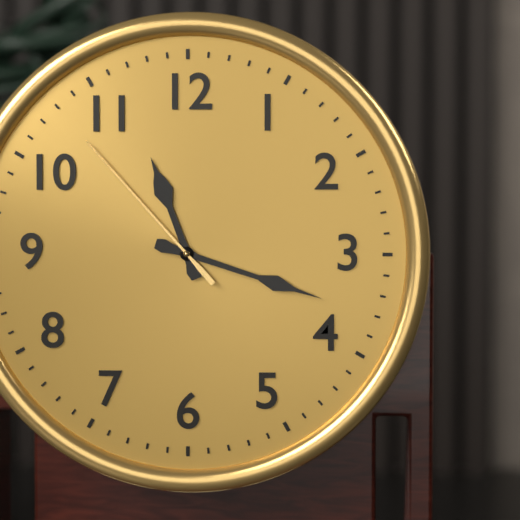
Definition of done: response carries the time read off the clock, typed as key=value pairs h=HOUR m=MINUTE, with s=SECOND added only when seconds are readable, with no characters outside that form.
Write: h=11 m=18 s=53
